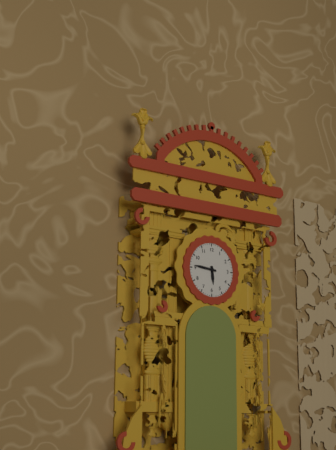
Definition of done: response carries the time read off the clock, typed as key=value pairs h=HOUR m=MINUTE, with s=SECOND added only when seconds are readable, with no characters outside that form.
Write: h=5 m=46
